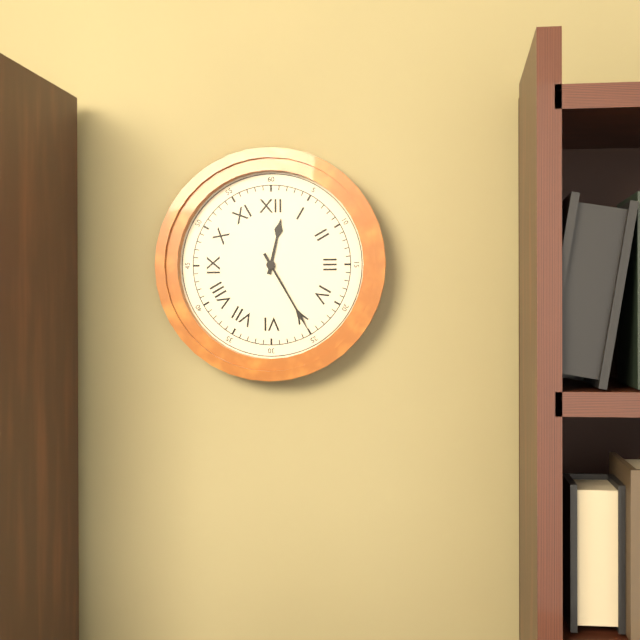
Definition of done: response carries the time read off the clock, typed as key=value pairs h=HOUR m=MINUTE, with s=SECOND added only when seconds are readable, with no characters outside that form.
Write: h=12 m=25
